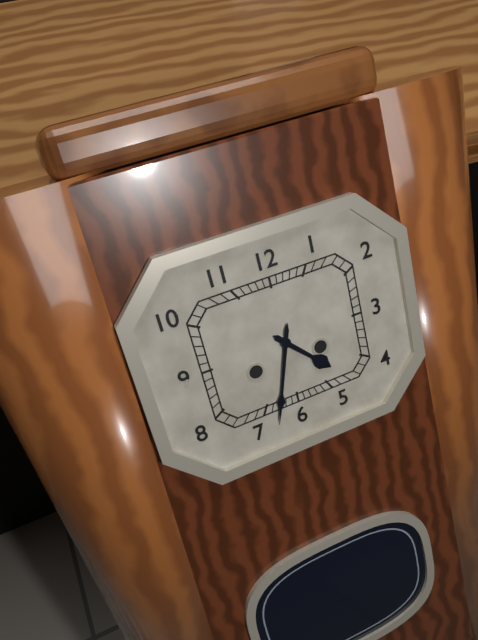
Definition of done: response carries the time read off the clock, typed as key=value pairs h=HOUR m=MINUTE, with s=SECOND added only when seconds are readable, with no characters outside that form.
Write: h=4 m=33
